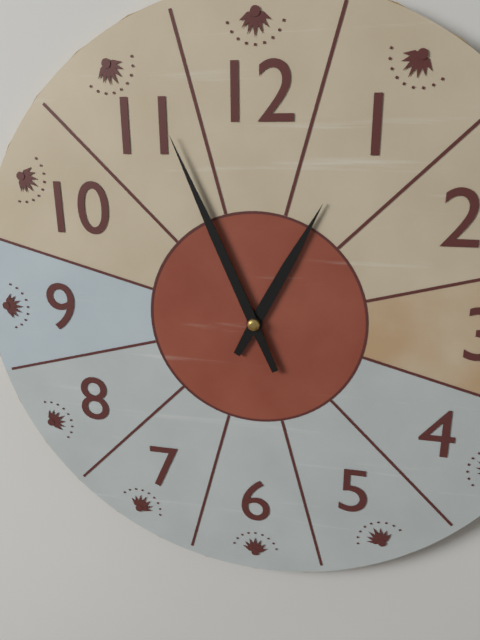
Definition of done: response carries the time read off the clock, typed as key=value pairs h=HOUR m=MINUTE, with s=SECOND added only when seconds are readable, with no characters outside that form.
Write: h=12 m=56
